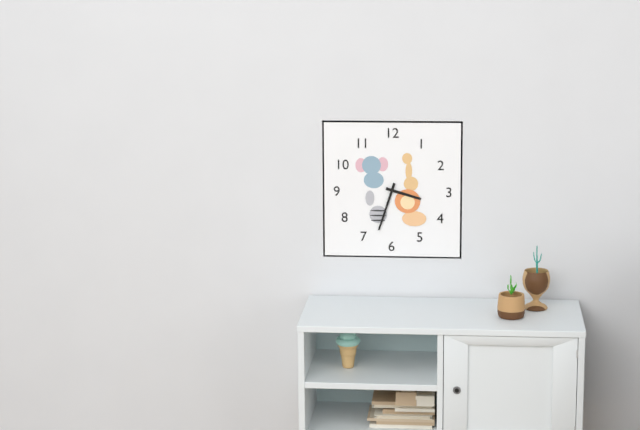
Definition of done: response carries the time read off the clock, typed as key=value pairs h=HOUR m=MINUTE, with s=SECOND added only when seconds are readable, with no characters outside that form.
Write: h=3 m=33
